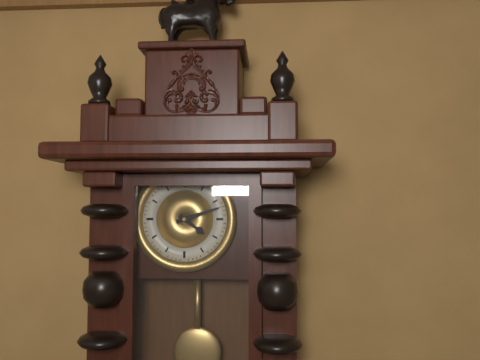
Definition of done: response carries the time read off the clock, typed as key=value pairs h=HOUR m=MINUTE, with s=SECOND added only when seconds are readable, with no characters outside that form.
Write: h=4 m=12
